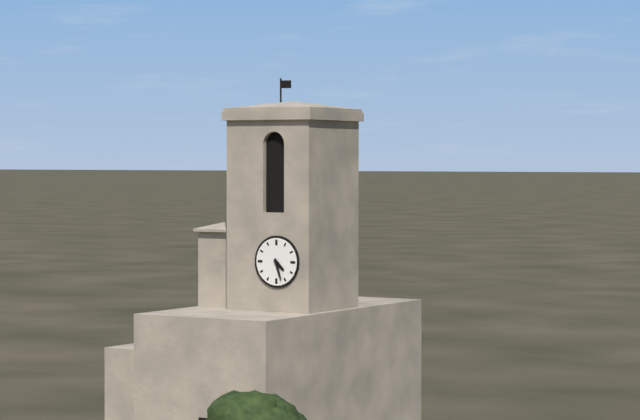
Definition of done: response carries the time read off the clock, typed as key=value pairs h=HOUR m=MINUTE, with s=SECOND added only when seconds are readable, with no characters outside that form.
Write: h=4 m=27
